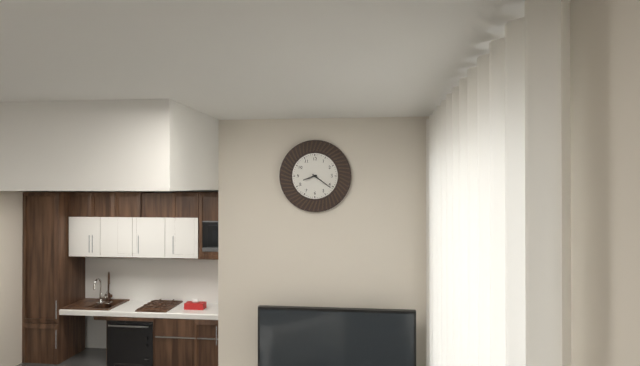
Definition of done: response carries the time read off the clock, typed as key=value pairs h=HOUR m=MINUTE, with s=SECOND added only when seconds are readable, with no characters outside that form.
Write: h=8 m=21
